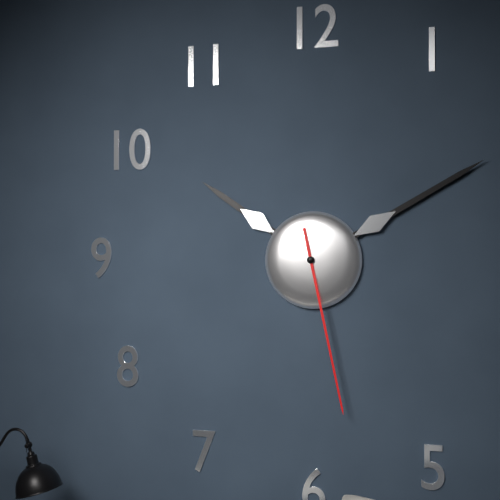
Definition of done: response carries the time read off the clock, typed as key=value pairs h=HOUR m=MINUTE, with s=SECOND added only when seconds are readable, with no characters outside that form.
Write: h=10 m=10 s=28
